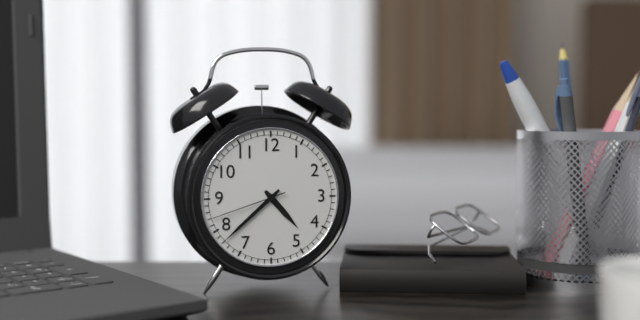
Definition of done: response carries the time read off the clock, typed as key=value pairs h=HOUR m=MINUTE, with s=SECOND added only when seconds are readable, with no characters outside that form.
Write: h=4 m=38 s=42
